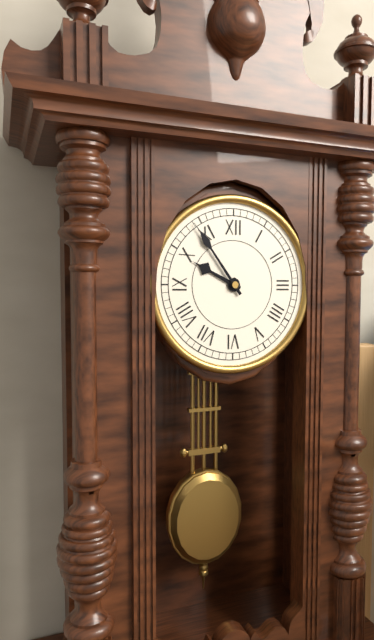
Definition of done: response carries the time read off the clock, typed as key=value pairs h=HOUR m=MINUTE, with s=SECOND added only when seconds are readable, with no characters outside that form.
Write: h=9 m=54
